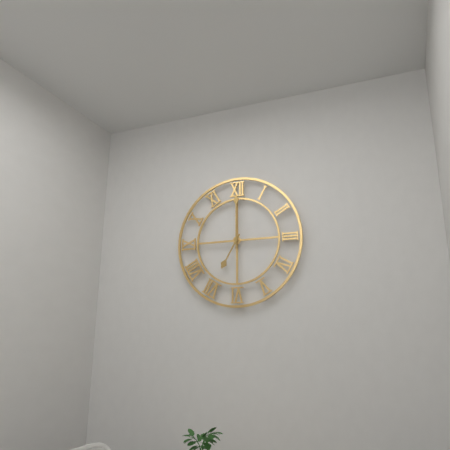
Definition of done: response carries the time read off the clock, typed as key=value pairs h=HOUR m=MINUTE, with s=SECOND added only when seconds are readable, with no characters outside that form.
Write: h=7 m=0
